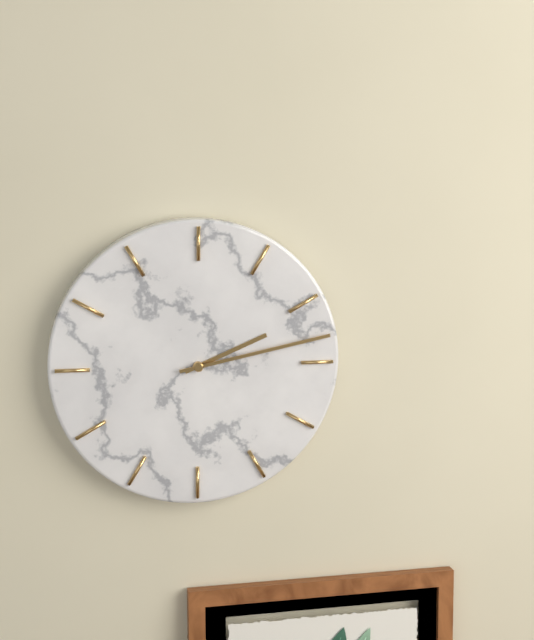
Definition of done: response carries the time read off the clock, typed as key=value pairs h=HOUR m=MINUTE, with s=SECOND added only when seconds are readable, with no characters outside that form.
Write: h=2 m=13
